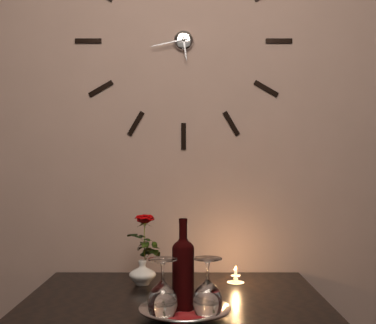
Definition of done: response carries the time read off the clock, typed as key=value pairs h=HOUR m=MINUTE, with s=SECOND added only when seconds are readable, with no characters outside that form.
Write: h=5 m=43
